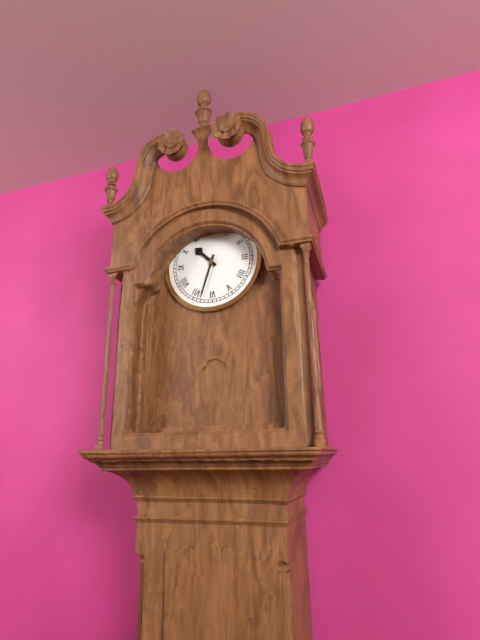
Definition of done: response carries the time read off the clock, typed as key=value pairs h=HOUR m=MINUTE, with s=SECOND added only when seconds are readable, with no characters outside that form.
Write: h=10 m=33
